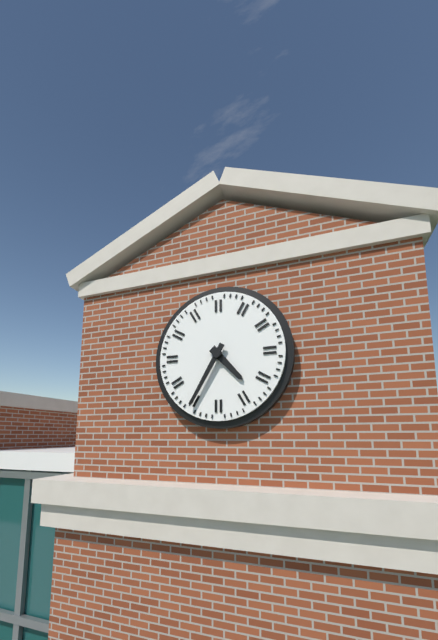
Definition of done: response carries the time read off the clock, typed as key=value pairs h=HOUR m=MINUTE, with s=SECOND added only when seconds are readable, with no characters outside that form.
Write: h=4 m=35
